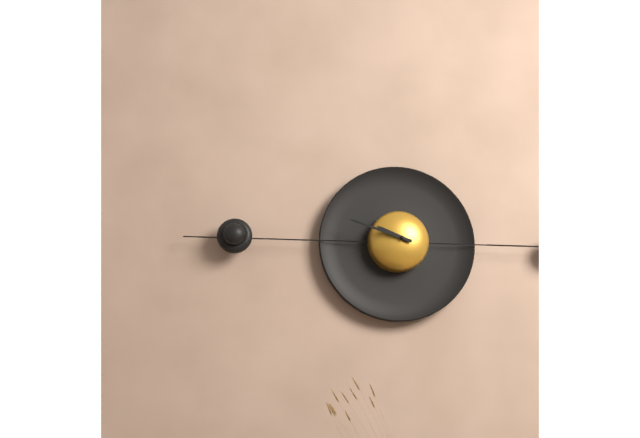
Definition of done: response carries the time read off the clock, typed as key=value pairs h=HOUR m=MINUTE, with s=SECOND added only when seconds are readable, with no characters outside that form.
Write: h=9 m=48
